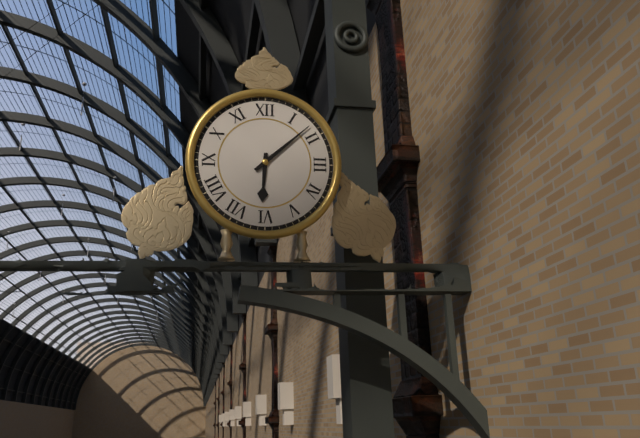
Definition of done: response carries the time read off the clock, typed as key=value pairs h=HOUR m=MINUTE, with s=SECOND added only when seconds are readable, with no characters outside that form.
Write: h=6 m=8
